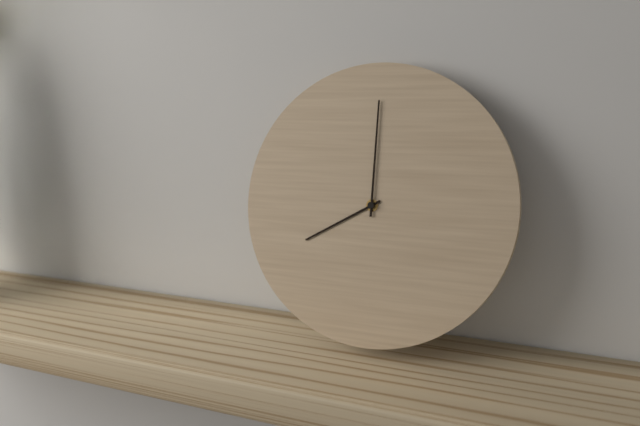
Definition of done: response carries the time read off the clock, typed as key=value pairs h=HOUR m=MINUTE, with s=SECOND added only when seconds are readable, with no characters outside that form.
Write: h=8 m=0
